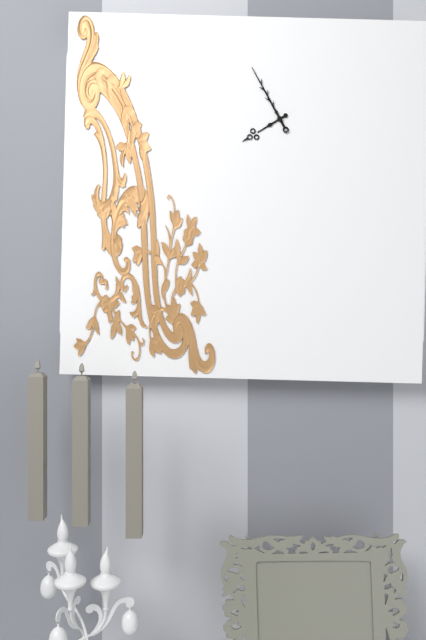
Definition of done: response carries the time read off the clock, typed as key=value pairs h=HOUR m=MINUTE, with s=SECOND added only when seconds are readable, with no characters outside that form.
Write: h=7 m=55
